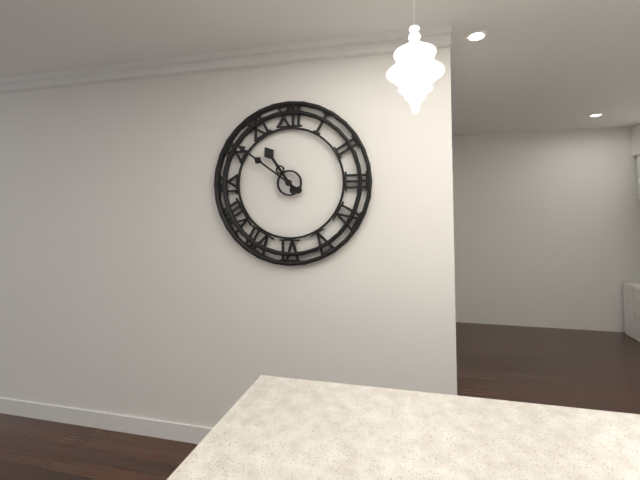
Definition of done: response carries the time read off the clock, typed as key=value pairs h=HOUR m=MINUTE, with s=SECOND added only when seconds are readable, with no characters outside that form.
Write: h=10 m=51
